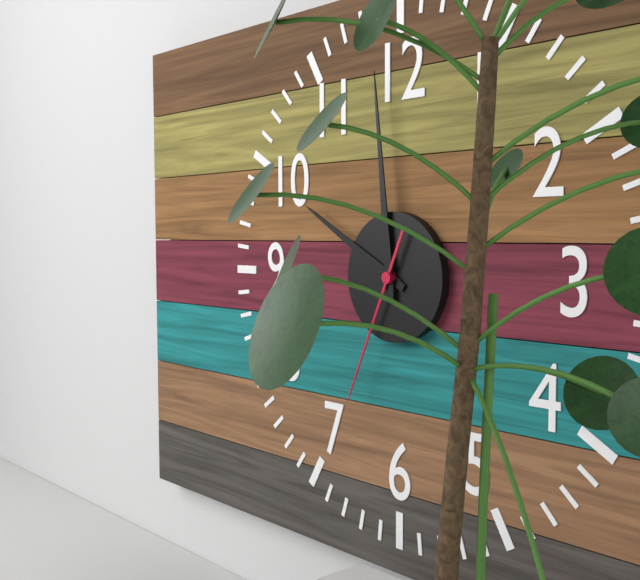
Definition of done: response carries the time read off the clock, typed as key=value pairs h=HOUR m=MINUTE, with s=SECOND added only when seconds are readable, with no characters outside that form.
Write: h=9 m=59 s=34
